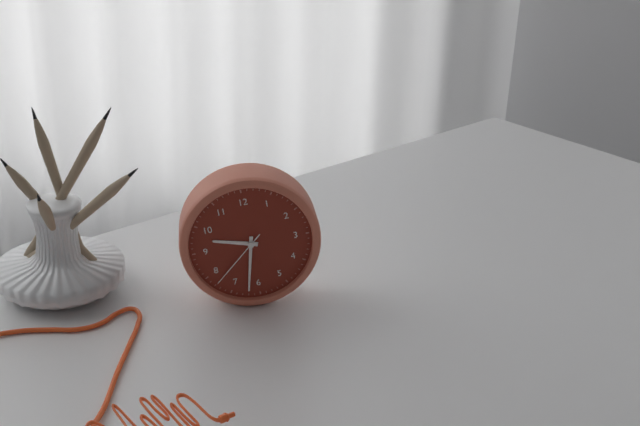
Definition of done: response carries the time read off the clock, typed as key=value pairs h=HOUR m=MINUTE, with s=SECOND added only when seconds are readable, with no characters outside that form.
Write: h=9 m=32 s=38
